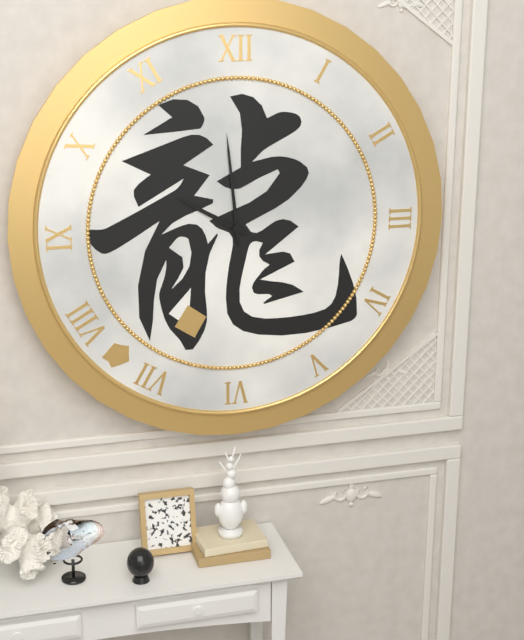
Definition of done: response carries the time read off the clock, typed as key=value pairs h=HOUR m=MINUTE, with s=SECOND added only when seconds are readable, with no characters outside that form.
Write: h=9 m=59
